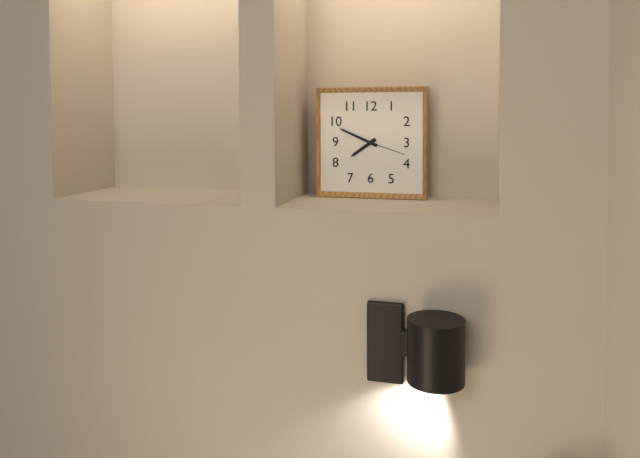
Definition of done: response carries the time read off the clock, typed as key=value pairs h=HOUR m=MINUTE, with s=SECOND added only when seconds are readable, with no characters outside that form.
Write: h=7 m=49
